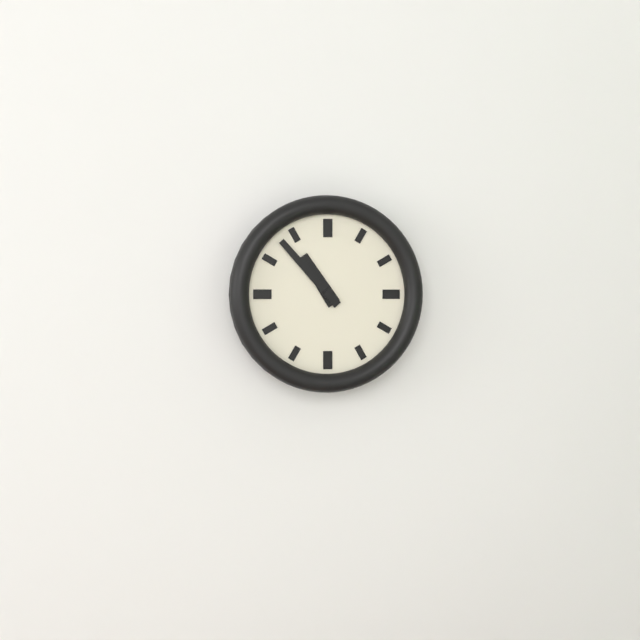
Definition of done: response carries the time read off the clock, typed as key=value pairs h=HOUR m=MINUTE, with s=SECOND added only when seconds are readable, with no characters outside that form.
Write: h=10 m=53
